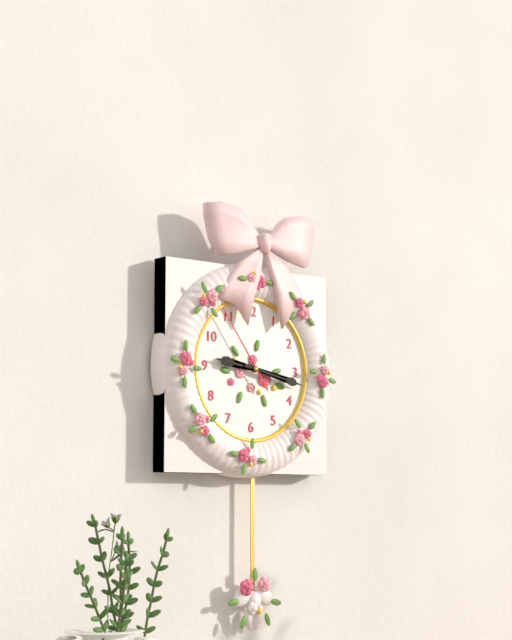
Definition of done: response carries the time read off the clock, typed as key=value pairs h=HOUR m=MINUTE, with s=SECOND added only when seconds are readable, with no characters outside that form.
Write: h=9 m=17 s=54
